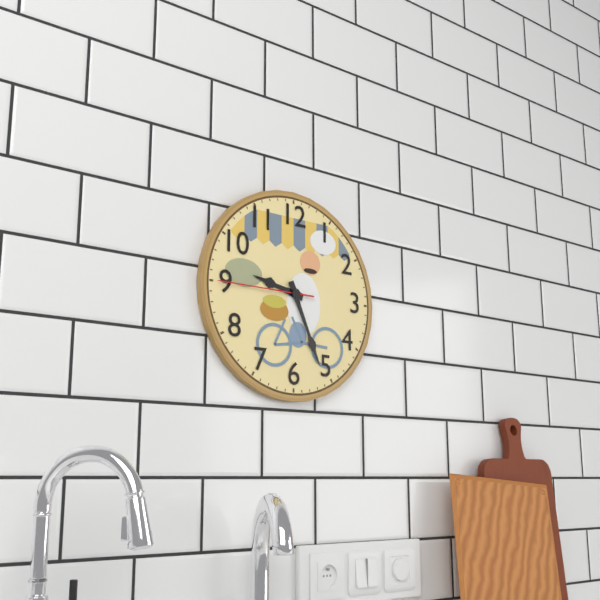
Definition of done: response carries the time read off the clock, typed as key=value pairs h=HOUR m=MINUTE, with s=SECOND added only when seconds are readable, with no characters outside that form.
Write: h=9 m=26 s=45
